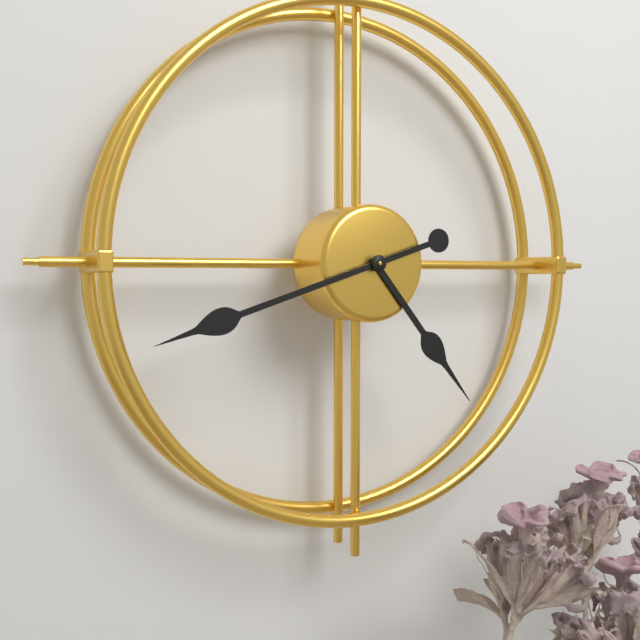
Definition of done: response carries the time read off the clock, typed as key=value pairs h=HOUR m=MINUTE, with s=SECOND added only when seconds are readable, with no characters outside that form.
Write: h=4 m=42
